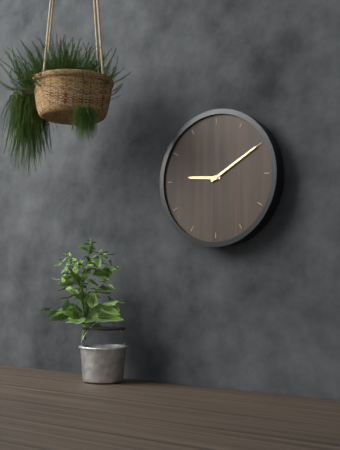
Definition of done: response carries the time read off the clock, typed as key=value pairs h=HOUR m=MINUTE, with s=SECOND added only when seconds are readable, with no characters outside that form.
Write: h=9 m=10
